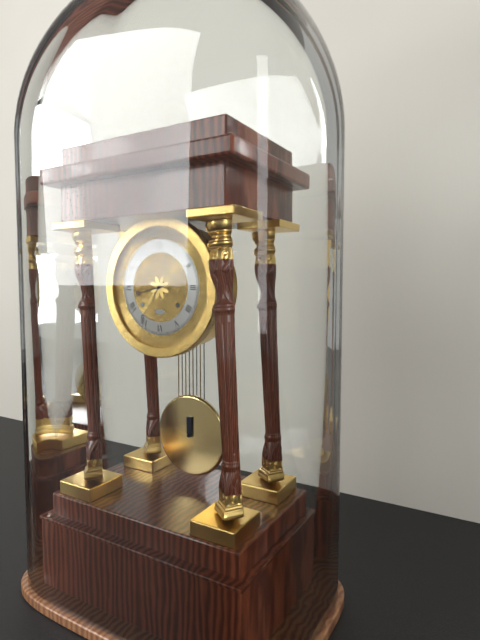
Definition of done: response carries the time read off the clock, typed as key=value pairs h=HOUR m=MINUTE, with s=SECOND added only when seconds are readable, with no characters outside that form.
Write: h=8 m=36
